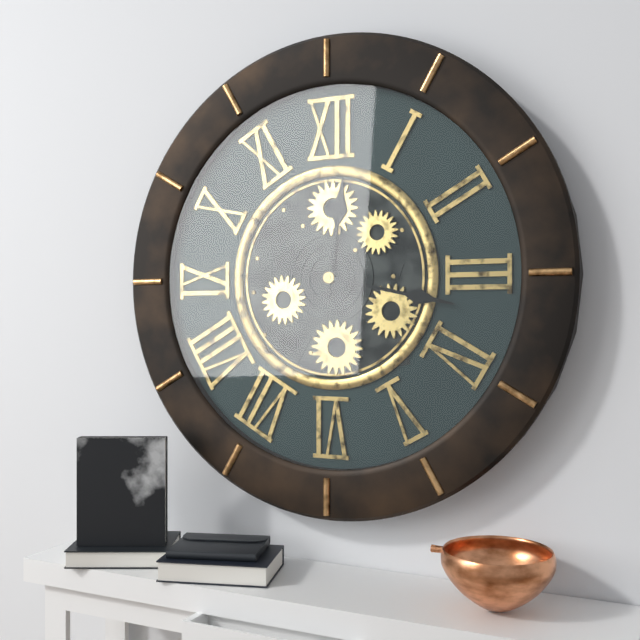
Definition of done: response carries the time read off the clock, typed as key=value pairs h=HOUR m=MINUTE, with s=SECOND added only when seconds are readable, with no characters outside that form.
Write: h=12 m=17
